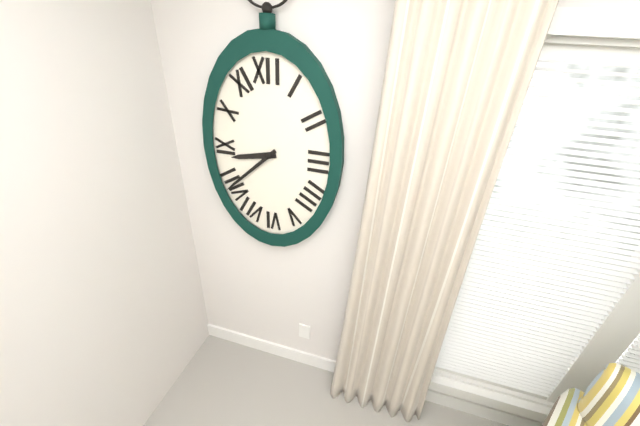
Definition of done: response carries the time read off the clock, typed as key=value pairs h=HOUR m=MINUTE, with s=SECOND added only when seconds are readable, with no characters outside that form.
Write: h=8 m=38
